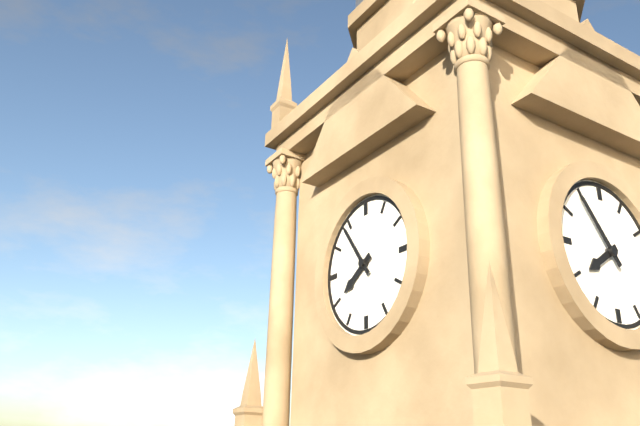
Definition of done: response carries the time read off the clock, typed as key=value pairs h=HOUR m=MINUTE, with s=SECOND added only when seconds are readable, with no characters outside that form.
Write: h=7 m=54
